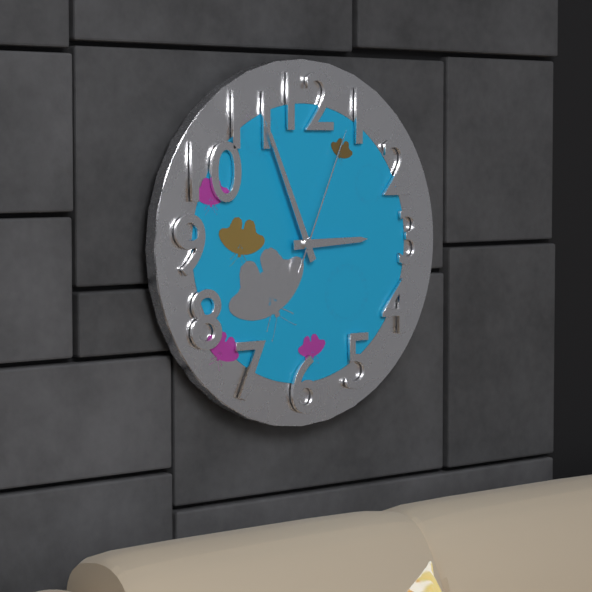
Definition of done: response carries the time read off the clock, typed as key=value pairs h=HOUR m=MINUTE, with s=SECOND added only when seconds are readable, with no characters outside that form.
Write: h=2 m=56 s=4
